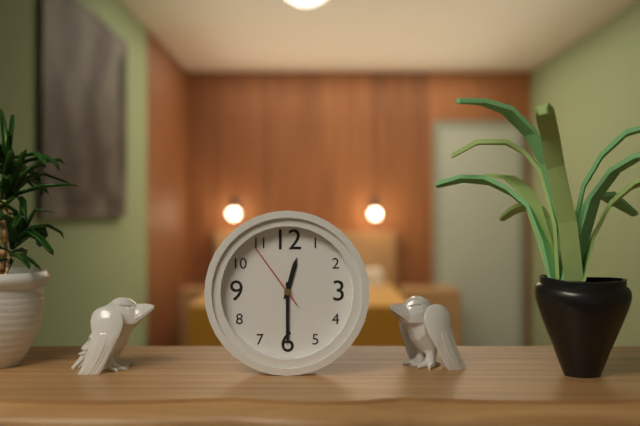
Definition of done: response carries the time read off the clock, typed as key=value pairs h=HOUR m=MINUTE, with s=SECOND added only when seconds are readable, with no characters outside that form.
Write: h=12 m=30 s=54
